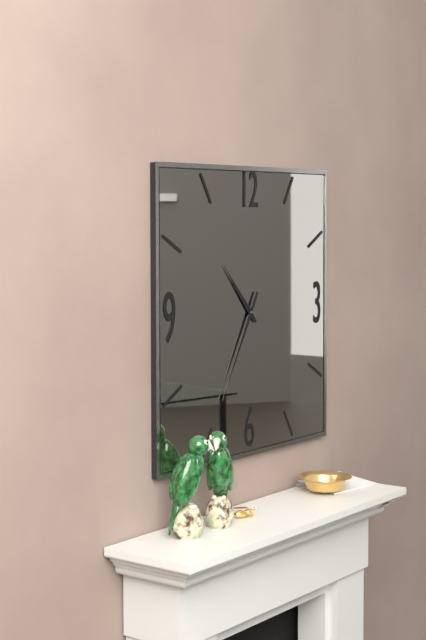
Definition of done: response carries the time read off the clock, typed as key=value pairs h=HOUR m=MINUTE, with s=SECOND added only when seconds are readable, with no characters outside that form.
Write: h=10 m=35
